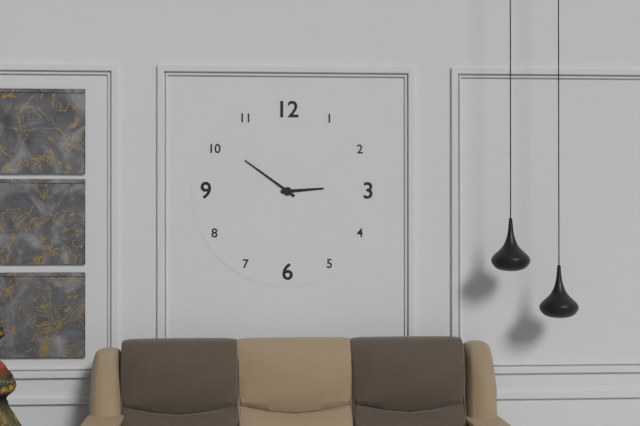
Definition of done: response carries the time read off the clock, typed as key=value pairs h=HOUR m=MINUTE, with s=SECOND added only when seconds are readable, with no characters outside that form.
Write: h=2 m=51
